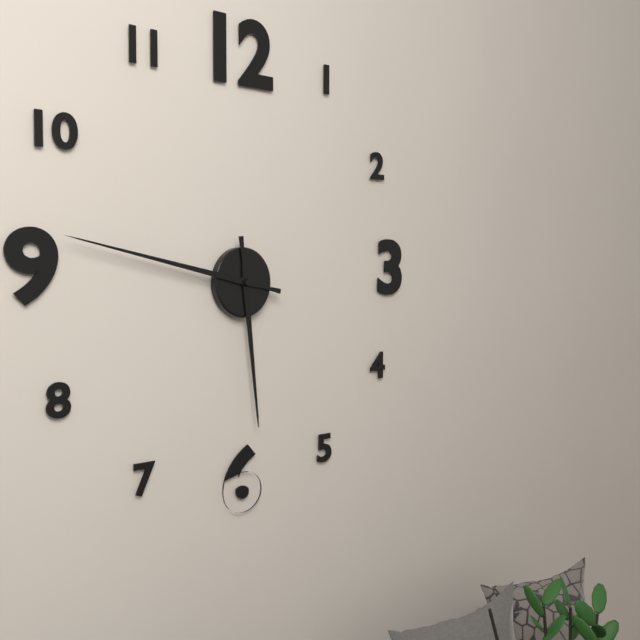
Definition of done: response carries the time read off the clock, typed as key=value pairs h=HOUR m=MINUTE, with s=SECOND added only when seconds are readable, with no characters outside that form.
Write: h=5 m=47
